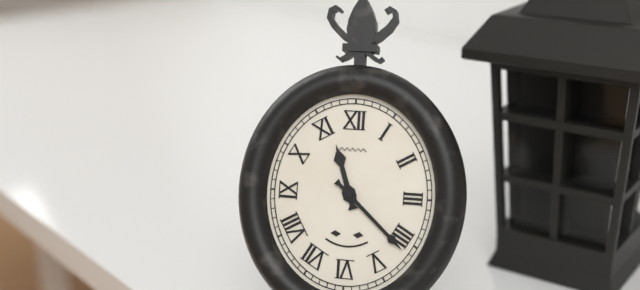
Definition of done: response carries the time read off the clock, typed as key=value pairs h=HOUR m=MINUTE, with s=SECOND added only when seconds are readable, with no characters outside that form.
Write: h=11 m=22
